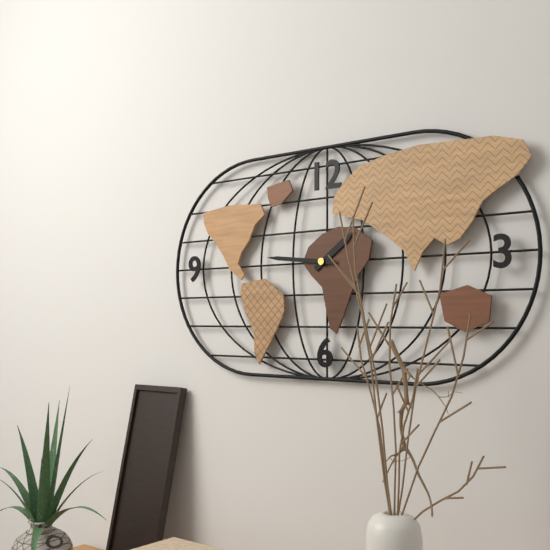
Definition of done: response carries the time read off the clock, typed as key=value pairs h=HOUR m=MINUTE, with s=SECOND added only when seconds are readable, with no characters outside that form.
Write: h=1 m=46
